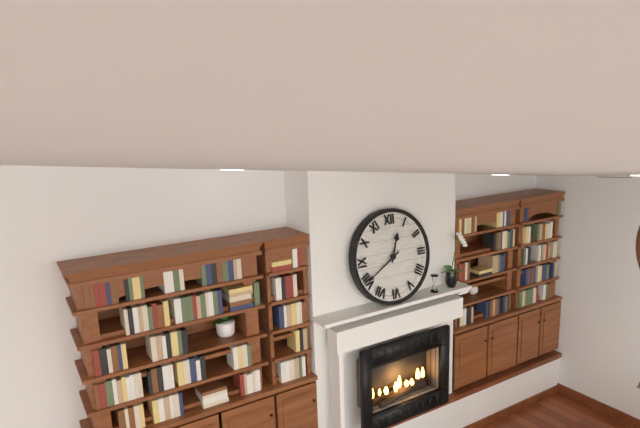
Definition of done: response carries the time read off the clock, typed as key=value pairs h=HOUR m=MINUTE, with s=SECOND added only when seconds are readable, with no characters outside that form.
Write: h=12 m=40
